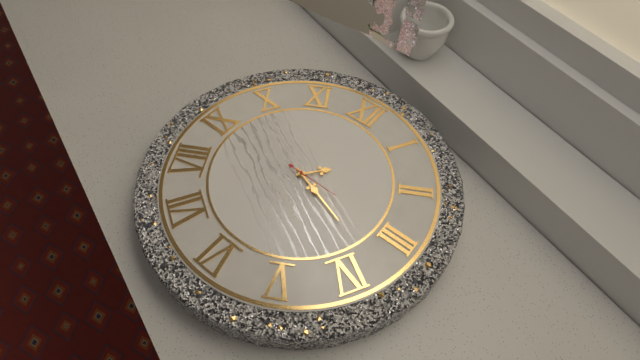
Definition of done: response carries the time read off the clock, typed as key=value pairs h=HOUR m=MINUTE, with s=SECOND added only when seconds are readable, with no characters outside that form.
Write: h=1 m=18
